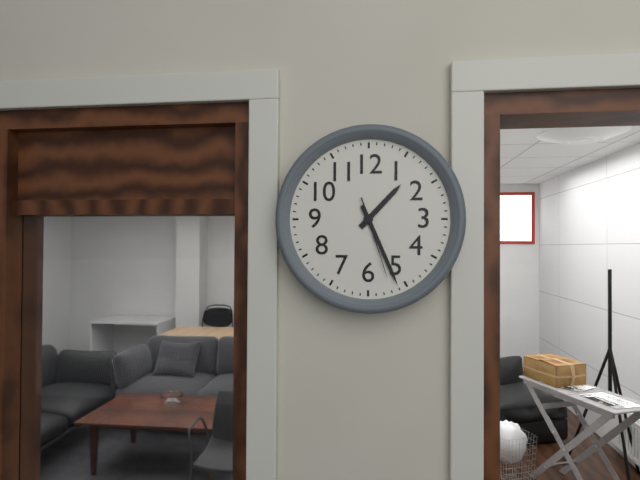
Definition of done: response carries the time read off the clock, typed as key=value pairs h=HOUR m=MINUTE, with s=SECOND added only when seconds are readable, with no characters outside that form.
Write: h=1 m=26 s=27
